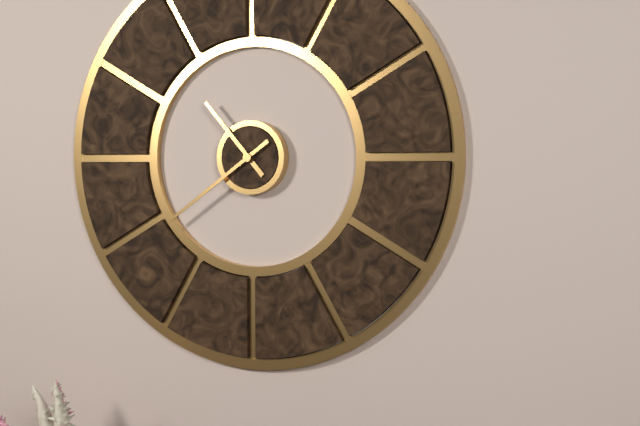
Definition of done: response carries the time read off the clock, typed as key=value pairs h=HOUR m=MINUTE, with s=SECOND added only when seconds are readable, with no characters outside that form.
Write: h=10 m=39
